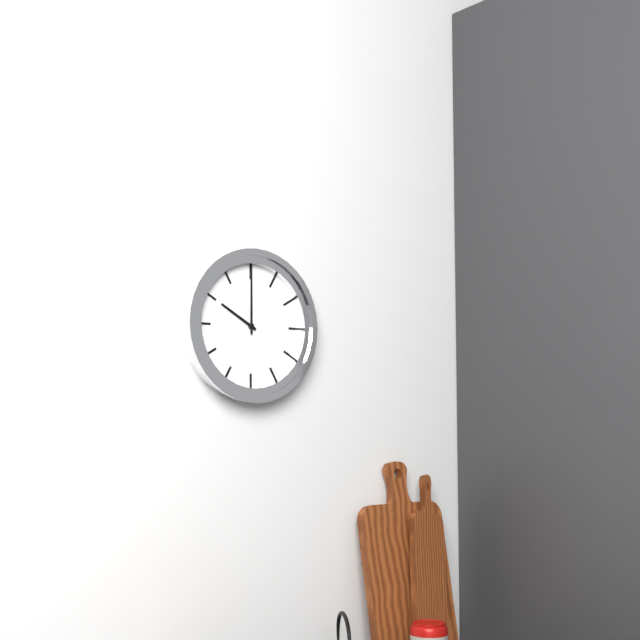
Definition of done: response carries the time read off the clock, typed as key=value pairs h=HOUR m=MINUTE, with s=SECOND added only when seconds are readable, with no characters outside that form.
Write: h=10 m=0
